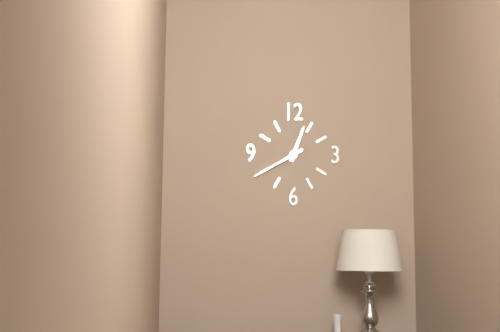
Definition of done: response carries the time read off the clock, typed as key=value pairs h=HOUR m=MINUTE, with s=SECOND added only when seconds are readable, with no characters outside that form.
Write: h=12 m=40
